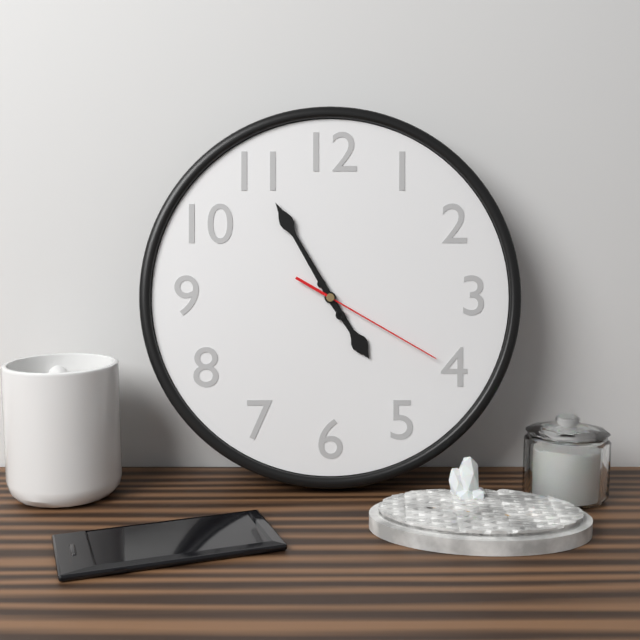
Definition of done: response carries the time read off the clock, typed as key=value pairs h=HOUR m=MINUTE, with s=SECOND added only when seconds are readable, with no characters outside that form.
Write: h=4 m=55 s=20
